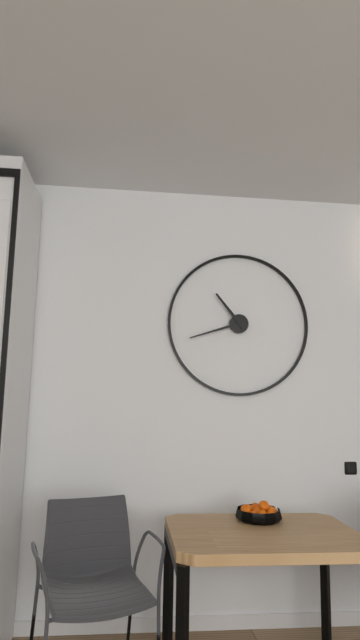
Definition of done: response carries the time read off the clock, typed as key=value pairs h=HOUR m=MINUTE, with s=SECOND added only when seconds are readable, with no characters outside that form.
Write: h=10 m=42
